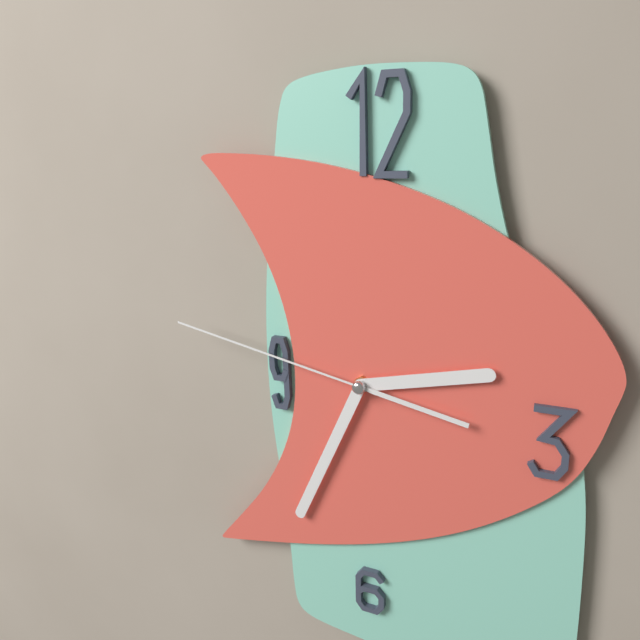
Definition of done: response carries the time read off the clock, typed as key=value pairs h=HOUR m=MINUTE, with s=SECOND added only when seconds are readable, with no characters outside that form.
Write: h=2 m=34 s=47
